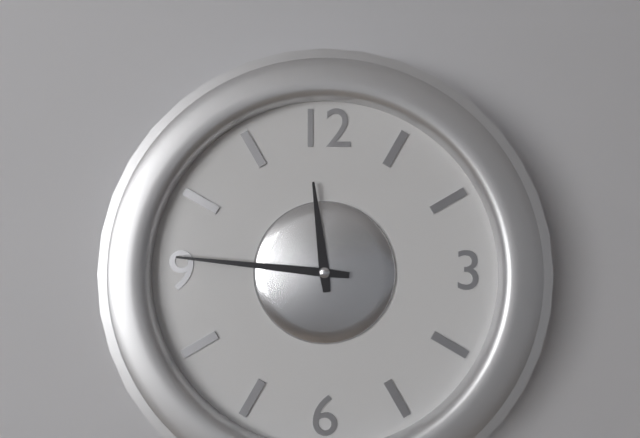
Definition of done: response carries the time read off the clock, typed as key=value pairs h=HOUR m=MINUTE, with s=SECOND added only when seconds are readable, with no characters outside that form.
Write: h=11 m=46
